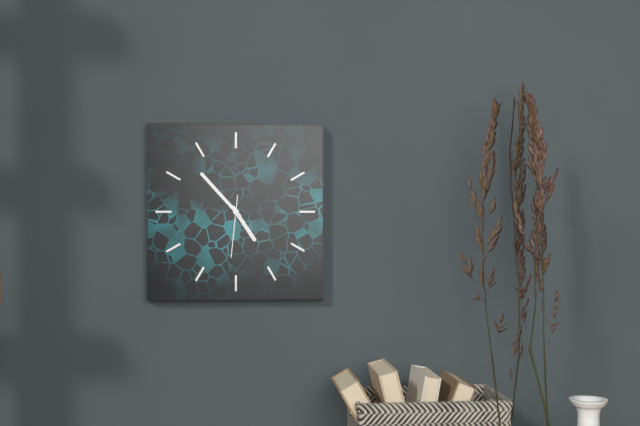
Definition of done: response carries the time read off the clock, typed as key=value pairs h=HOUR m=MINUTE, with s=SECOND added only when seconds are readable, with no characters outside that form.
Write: h=4 m=53 s=31
